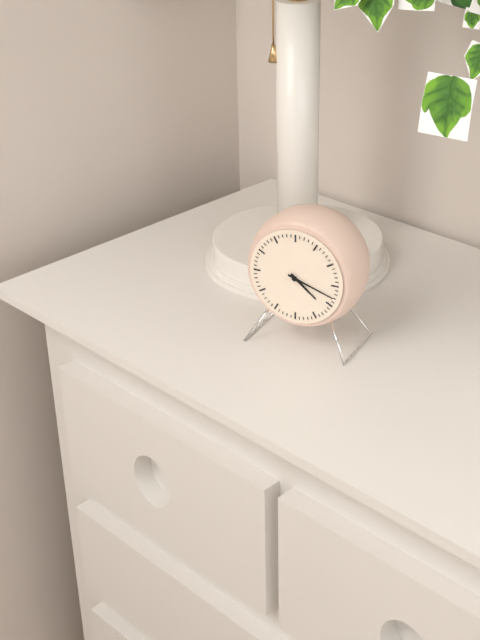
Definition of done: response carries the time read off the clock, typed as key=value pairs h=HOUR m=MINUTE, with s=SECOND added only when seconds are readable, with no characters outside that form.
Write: h=4 m=18
